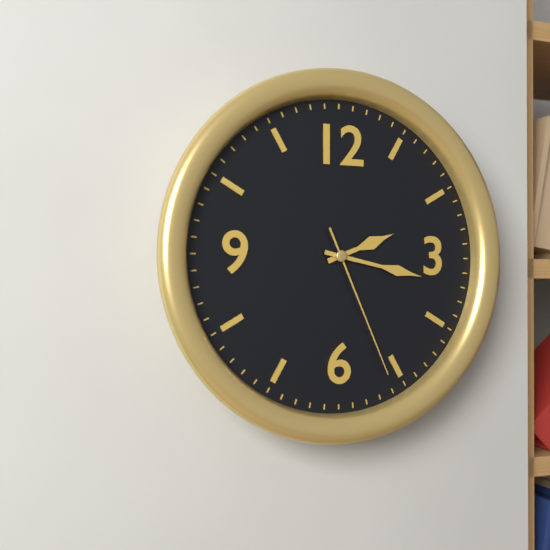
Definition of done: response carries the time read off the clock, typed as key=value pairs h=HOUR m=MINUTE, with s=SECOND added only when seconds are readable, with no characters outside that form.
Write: h=2 m=17 s=26
